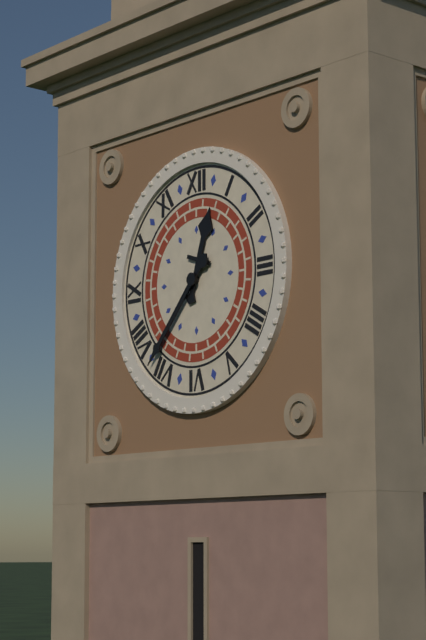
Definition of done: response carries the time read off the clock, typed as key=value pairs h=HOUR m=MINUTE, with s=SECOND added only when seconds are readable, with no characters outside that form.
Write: h=12 m=37
